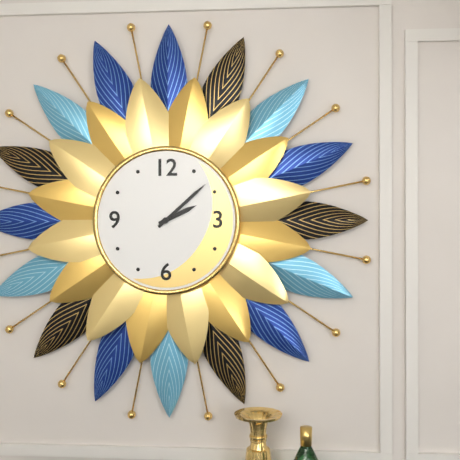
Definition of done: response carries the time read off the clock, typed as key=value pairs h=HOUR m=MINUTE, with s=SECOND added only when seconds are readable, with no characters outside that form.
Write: h=2 m=8
